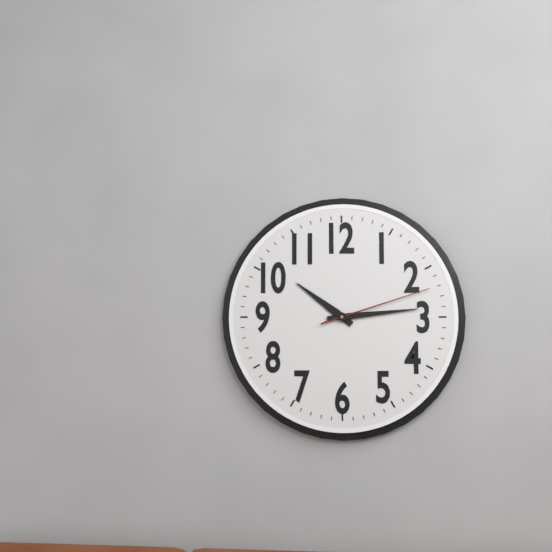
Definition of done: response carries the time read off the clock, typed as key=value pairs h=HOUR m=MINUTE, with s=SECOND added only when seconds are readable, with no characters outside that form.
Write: h=10 m=14 s=12
